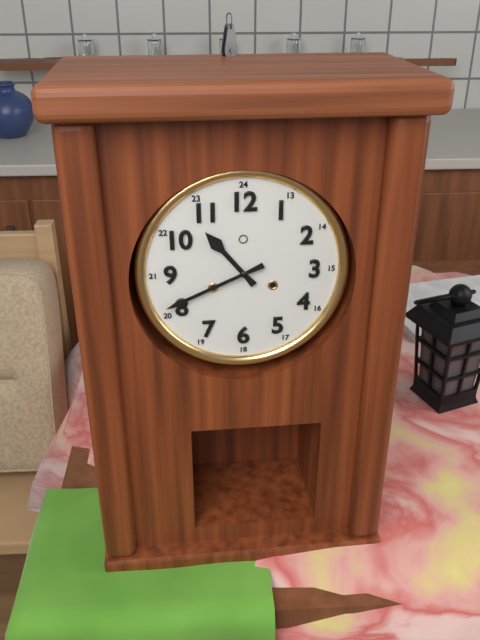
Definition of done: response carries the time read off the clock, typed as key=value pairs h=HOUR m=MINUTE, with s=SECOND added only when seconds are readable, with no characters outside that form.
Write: h=10 m=41
